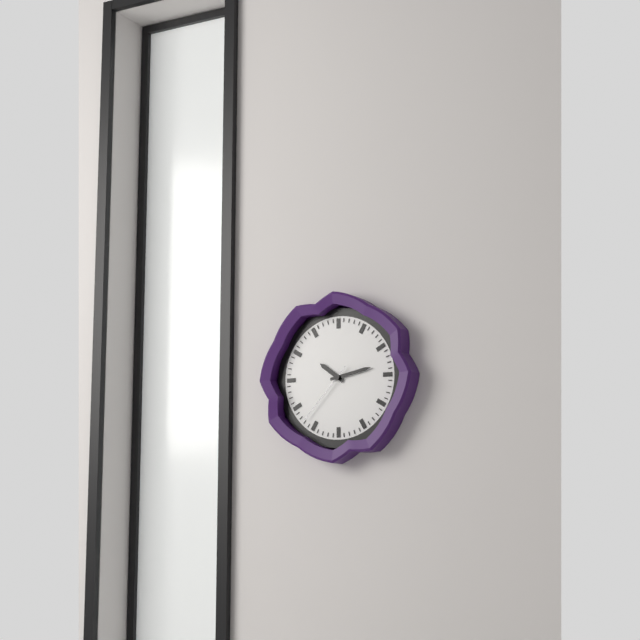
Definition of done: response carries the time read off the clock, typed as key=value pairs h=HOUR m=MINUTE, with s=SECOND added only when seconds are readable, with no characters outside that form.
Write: h=10 m=13 s=37
